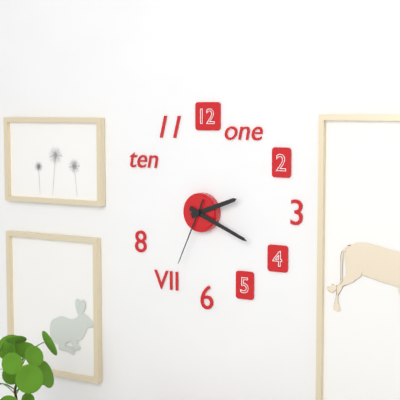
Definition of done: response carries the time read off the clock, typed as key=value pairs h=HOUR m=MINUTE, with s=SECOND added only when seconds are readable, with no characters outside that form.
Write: h=2 m=19 s=34
